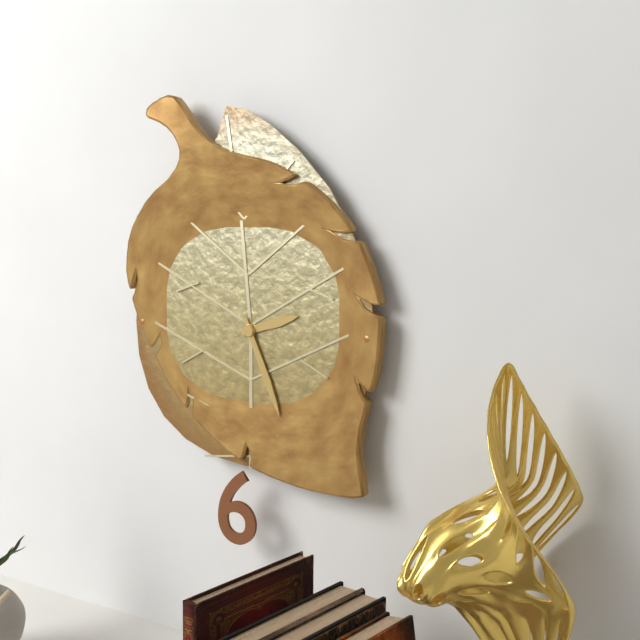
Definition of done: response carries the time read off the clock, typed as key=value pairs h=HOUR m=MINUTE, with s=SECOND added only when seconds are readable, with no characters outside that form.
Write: h=2 m=26
